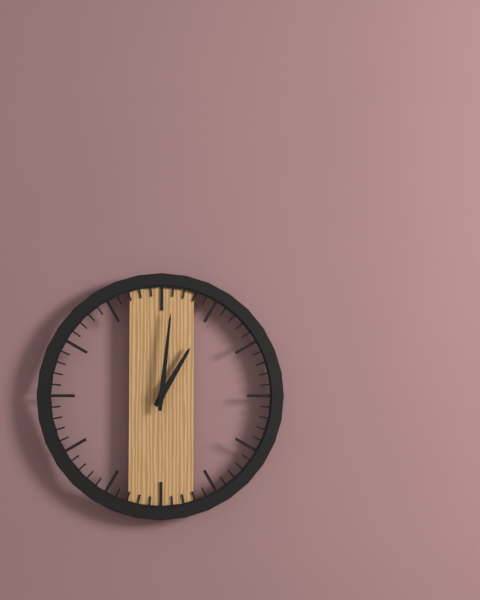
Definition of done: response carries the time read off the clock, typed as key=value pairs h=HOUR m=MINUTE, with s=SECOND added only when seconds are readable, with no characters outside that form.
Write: h=1 m=1
